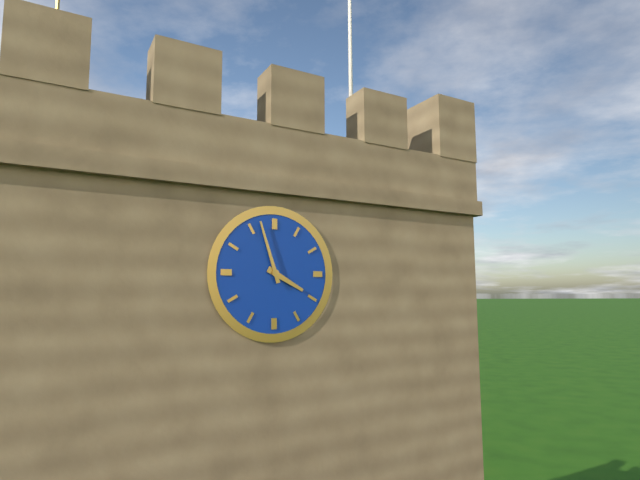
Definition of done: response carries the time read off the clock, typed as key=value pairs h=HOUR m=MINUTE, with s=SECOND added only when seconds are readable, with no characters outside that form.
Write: h=3 m=57
